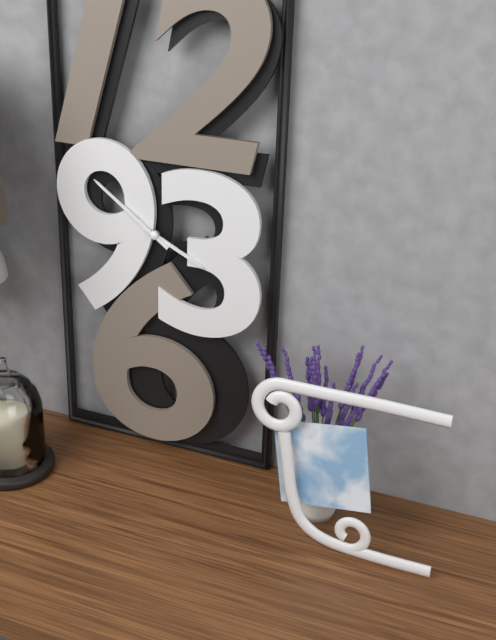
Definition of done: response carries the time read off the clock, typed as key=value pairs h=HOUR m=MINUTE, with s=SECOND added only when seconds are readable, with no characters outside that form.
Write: h=3 m=51
